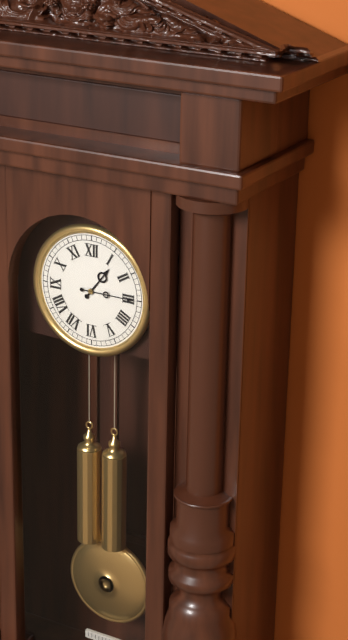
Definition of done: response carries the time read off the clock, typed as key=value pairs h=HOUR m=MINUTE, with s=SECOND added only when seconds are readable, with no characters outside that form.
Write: h=1 m=15
